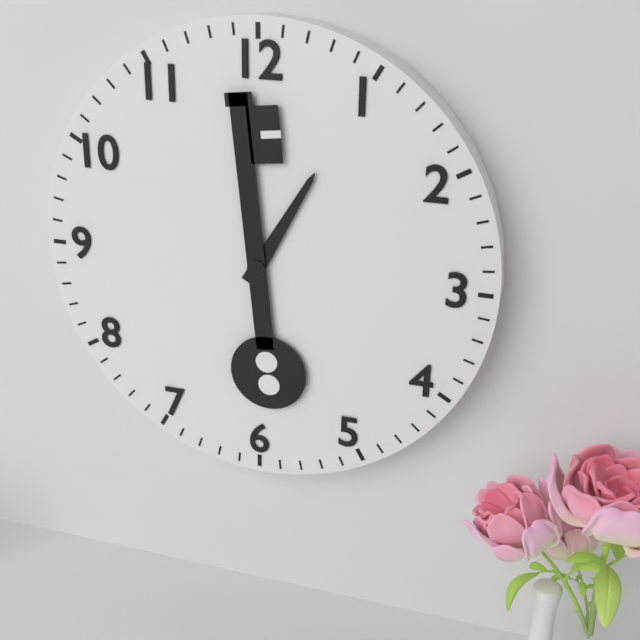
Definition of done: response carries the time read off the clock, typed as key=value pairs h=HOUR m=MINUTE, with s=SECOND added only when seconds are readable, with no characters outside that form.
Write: h=12 m=59
